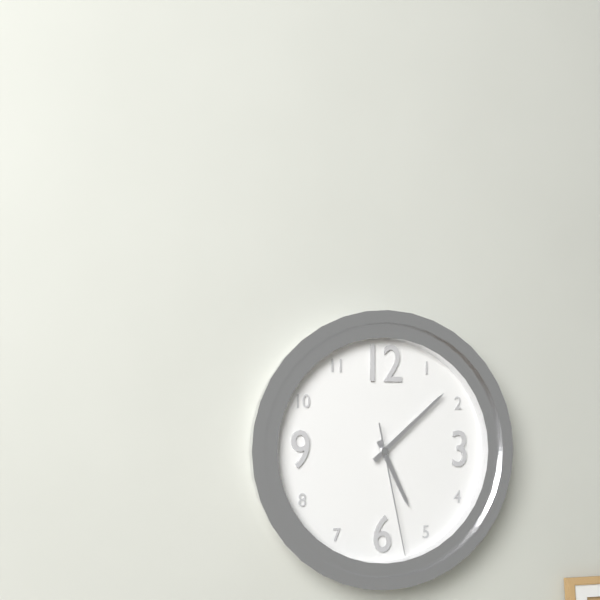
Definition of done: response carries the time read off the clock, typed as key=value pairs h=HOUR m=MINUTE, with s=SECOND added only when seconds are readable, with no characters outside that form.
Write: h=5 m=8 s=28
